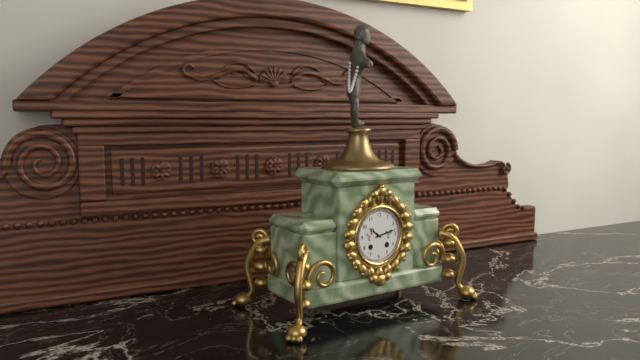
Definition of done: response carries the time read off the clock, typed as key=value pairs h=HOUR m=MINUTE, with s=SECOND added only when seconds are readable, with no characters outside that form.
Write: h=10 m=13
